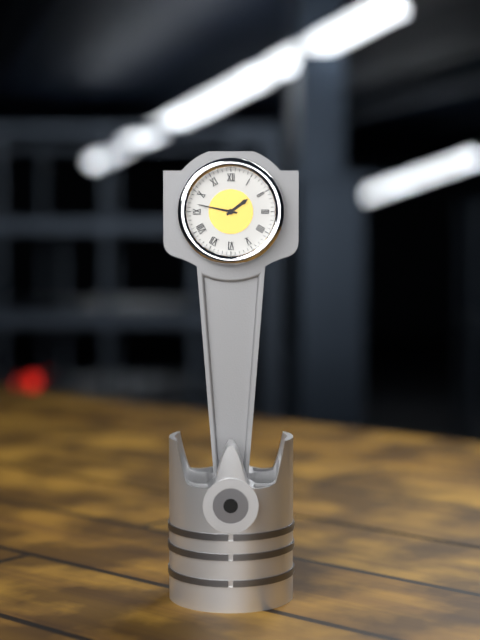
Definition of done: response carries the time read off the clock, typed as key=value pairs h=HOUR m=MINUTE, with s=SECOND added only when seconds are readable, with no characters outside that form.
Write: h=1 m=47
